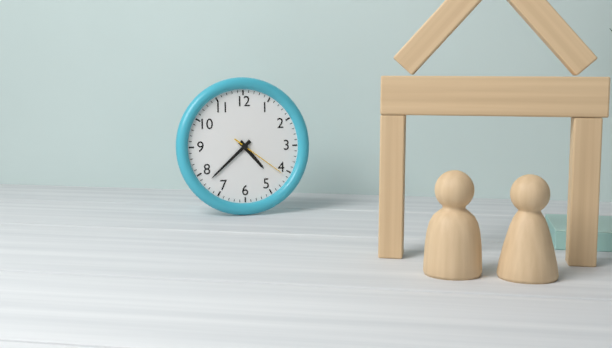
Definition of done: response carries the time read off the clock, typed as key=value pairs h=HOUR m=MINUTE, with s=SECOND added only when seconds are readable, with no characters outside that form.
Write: h=4 m=38 s=21
